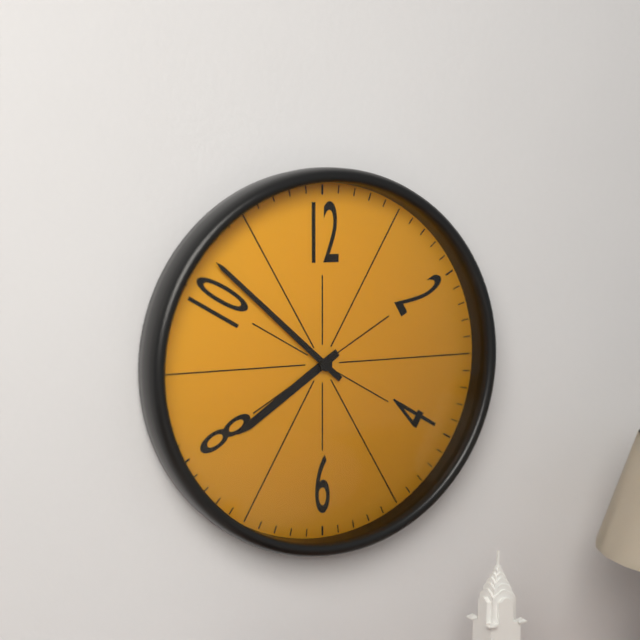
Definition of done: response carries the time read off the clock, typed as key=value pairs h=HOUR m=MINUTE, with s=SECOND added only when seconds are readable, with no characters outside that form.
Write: h=7 m=52
